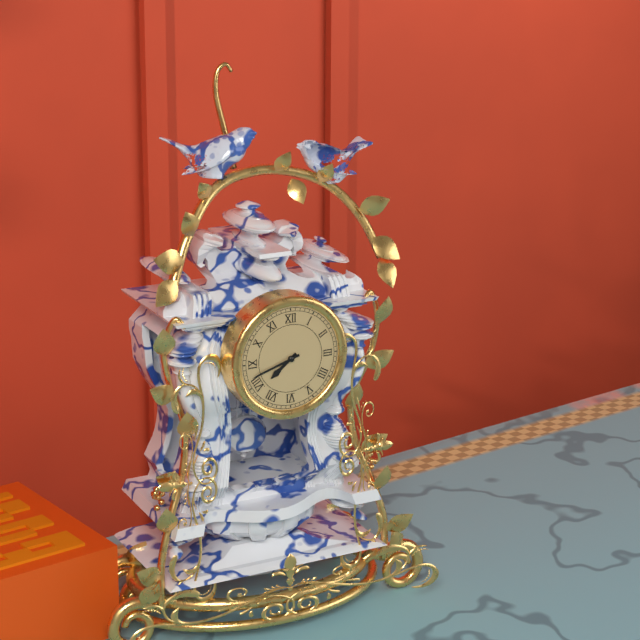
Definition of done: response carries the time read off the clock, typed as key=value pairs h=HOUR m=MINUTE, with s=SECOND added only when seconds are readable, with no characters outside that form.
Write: h=7 m=42
